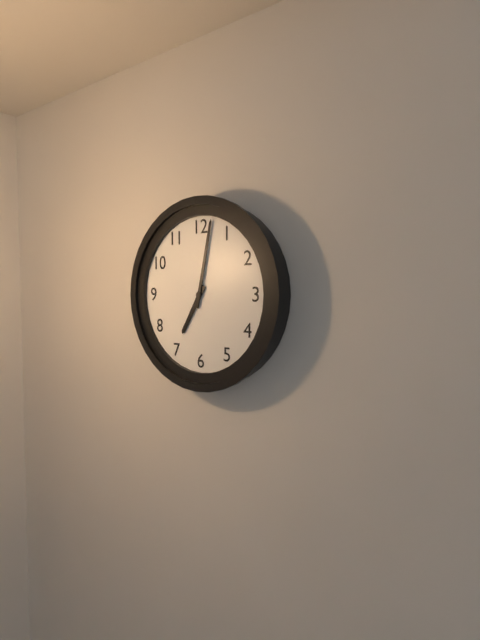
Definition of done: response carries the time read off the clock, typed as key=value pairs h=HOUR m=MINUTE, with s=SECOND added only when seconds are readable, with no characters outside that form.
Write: h=7 m=2
